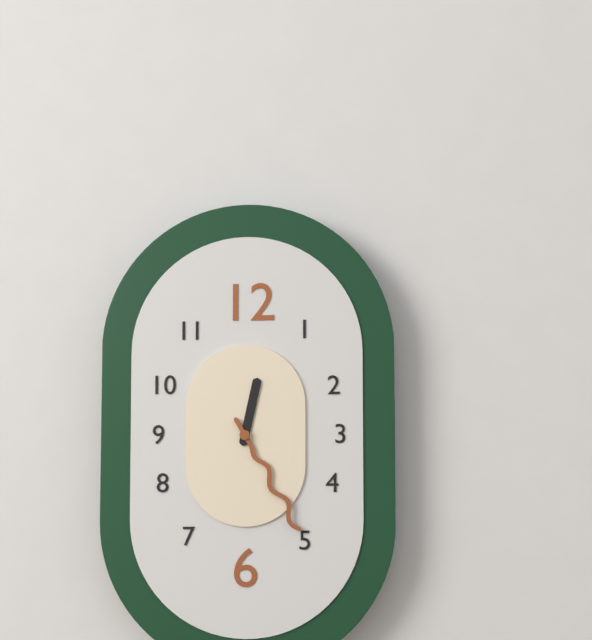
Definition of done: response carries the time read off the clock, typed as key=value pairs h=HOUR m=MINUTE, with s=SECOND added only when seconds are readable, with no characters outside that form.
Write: h=12 m=25
